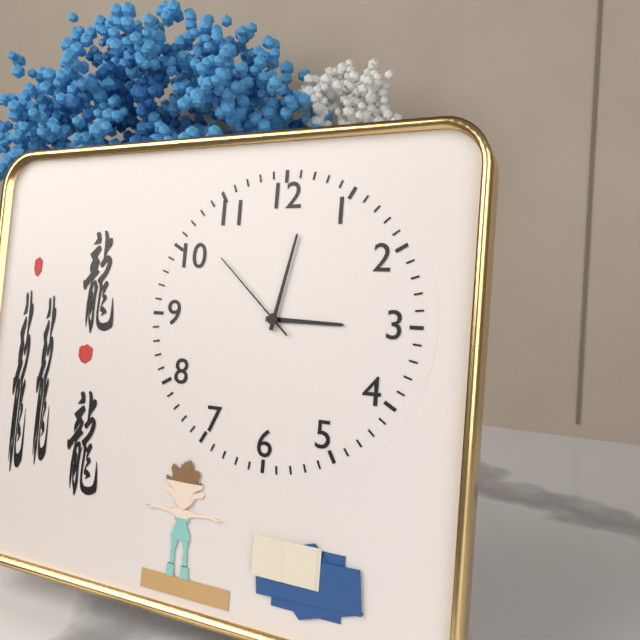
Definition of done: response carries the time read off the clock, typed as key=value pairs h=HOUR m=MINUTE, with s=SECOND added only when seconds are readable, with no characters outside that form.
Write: h=3 m=2 s=52
